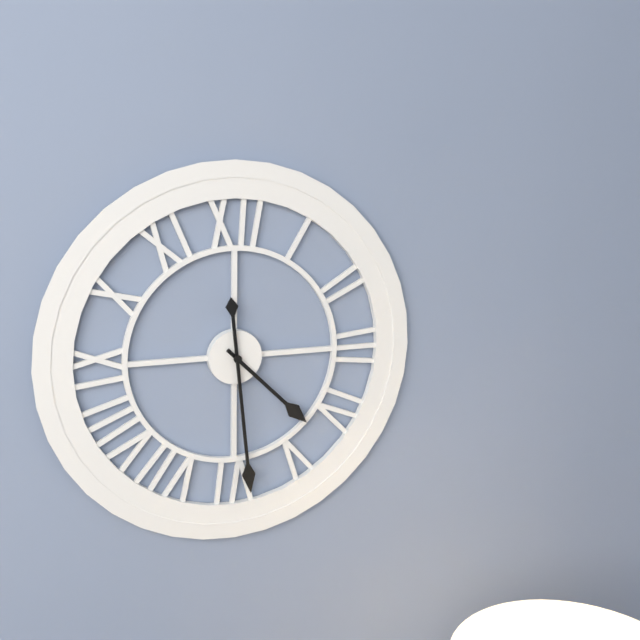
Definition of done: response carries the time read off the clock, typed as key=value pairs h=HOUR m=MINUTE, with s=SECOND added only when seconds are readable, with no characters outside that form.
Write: h=4 m=29
